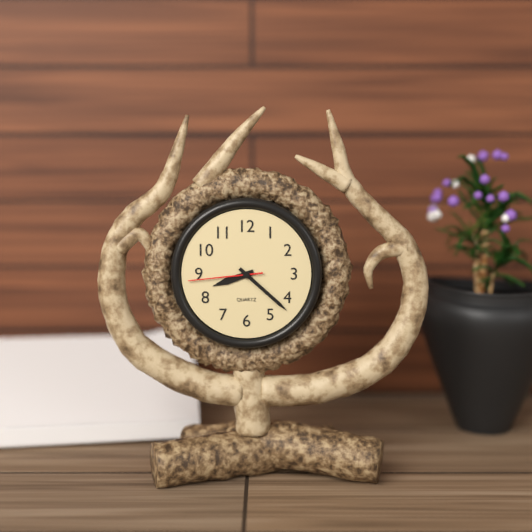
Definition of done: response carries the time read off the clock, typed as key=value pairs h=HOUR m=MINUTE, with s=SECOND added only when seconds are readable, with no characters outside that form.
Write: h=8 m=22 s=44
